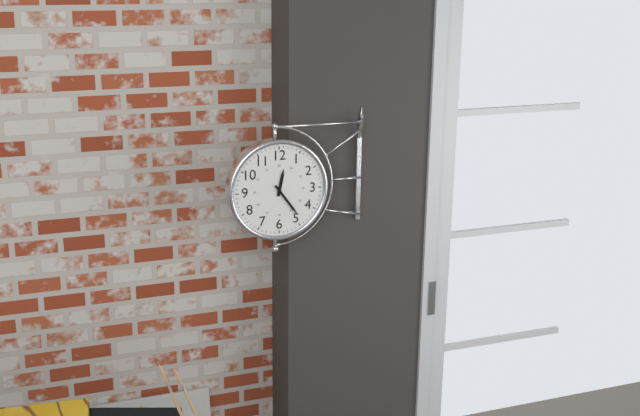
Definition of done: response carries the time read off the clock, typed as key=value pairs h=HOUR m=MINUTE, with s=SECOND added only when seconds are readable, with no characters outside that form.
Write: h=12 m=24
